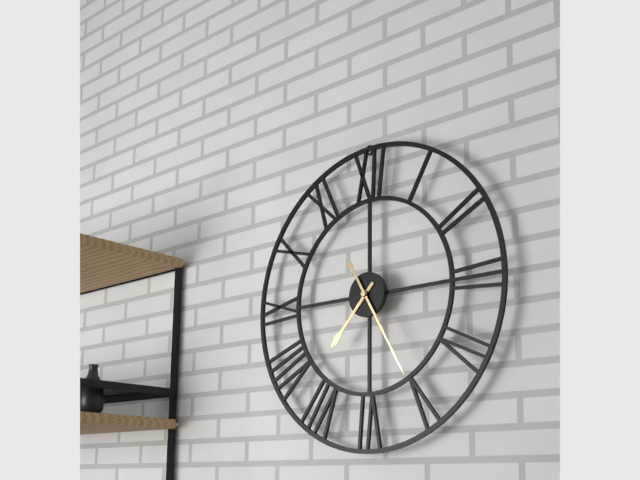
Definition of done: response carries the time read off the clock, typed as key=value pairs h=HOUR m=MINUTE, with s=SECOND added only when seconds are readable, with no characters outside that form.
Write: h=7 m=25
